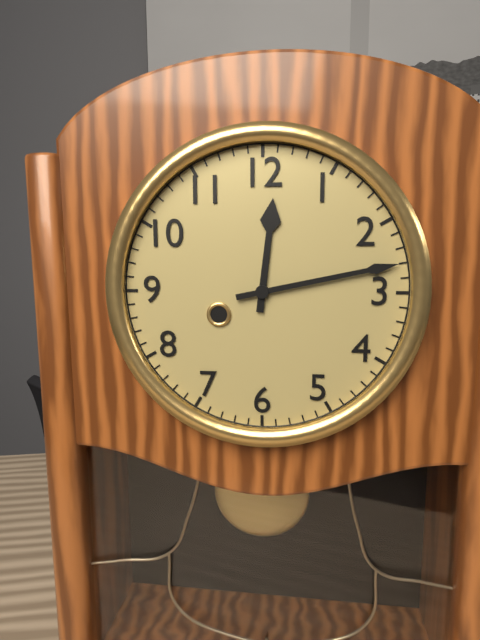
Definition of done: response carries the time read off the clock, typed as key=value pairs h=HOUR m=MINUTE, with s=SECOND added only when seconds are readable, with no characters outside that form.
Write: h=12 m=13
